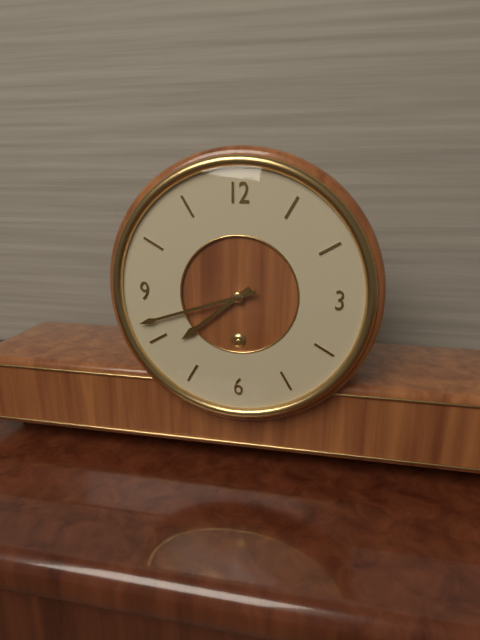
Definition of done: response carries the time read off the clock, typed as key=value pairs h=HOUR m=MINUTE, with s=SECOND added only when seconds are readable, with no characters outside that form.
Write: h=7 m=42
